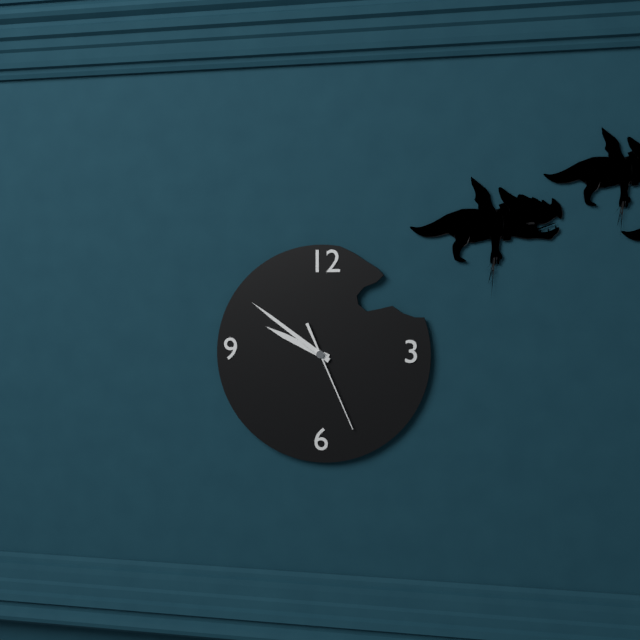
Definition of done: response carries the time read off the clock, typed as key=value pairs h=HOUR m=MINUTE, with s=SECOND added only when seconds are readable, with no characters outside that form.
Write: h=9 m=51 s=26
